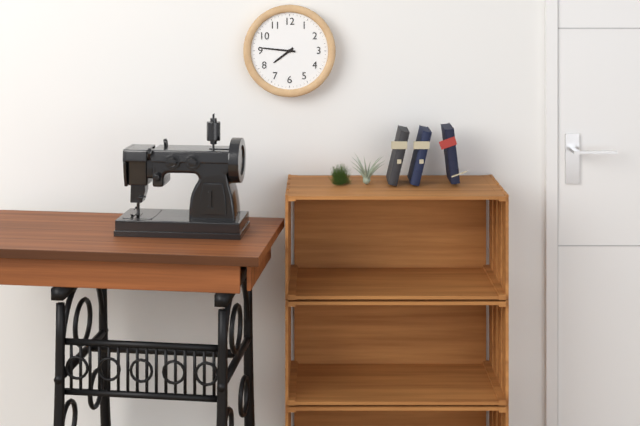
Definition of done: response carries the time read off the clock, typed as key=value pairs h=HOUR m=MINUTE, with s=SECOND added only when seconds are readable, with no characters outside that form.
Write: h=7 m=46
